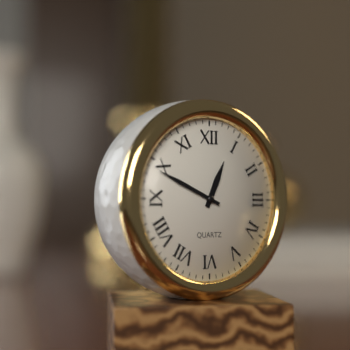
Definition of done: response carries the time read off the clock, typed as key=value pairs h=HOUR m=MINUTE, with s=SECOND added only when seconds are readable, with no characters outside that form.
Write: h=12 m=49
